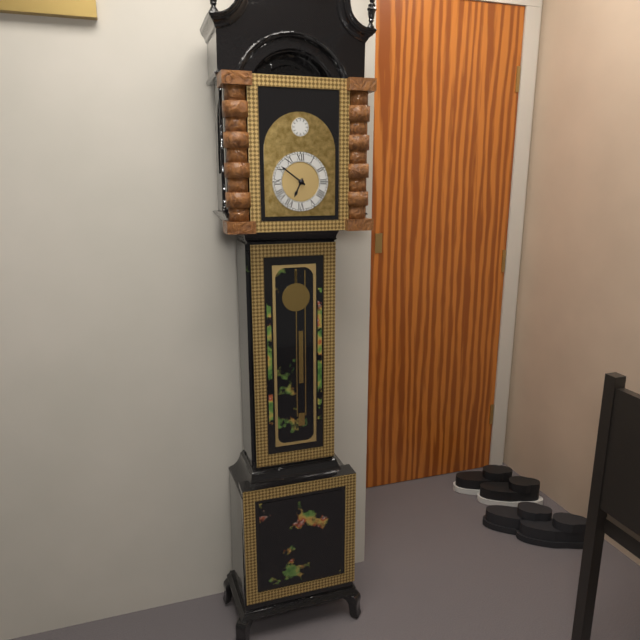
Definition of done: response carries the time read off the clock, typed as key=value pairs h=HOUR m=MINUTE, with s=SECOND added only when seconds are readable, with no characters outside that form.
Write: h=6 m=51
